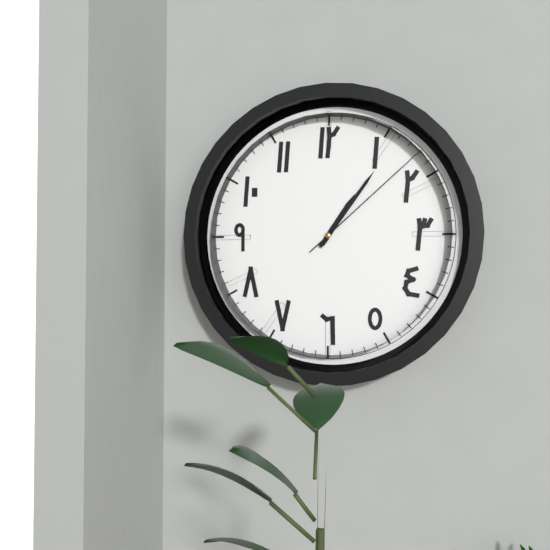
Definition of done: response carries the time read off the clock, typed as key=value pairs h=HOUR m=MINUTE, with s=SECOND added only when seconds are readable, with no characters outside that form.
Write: h=1 m=6 s=8
